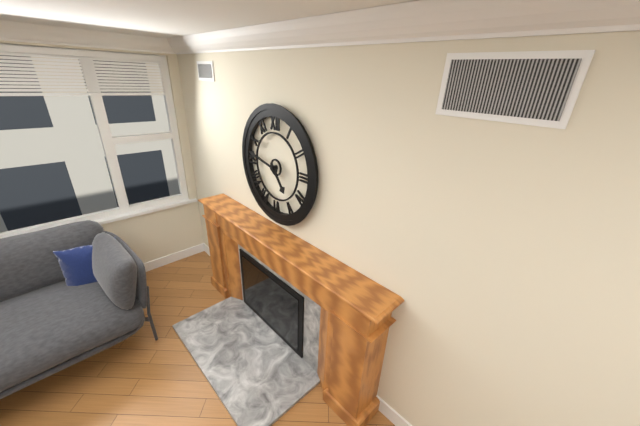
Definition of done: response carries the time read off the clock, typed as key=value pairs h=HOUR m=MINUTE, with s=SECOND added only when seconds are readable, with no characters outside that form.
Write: h=4 m=47
